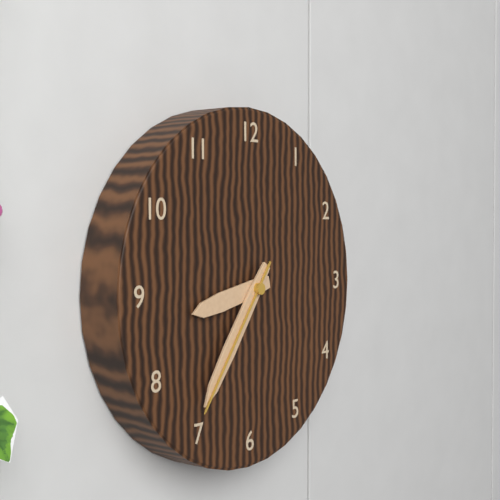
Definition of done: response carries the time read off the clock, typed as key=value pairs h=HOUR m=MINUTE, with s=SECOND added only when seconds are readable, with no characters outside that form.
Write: h=8 m=36 s=36
